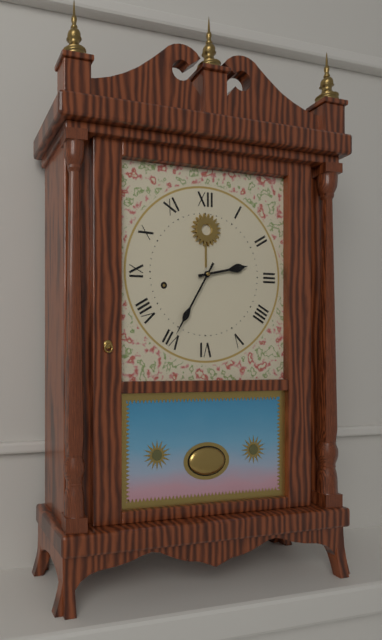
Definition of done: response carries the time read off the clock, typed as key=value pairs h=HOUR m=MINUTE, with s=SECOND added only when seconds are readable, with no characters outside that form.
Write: h=2 m=35
